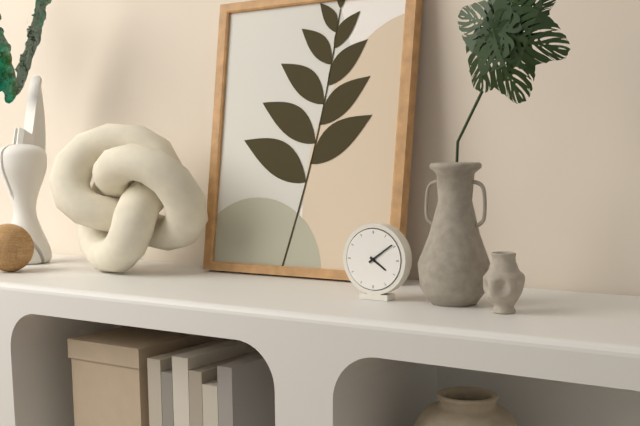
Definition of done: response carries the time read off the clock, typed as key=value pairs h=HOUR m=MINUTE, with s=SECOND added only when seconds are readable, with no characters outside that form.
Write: h=4 m=9
